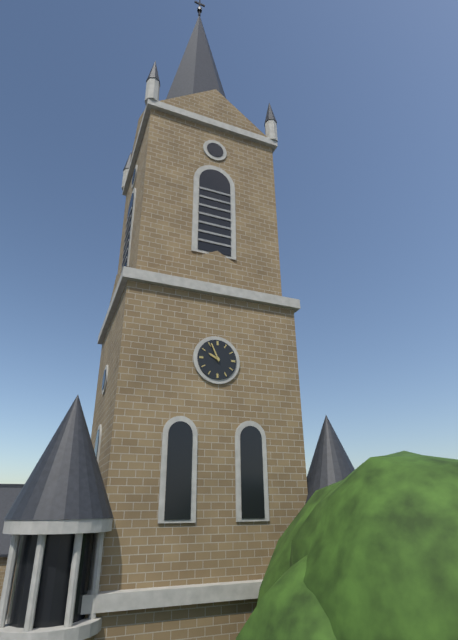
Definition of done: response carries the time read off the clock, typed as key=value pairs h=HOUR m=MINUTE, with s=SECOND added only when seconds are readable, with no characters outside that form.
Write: h=9 m=56
